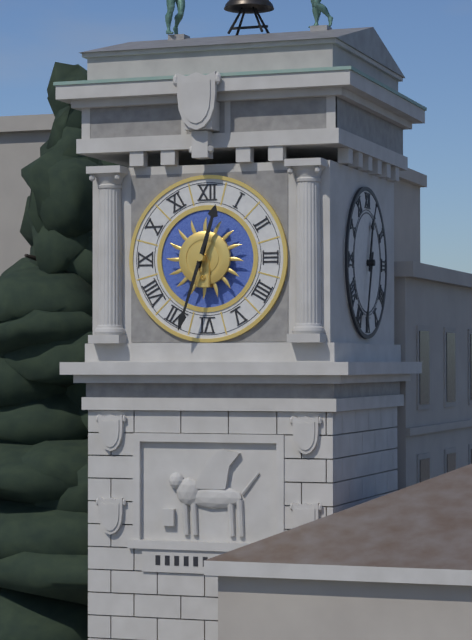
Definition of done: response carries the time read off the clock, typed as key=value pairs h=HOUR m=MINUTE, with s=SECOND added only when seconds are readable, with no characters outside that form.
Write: h=12 m=33
